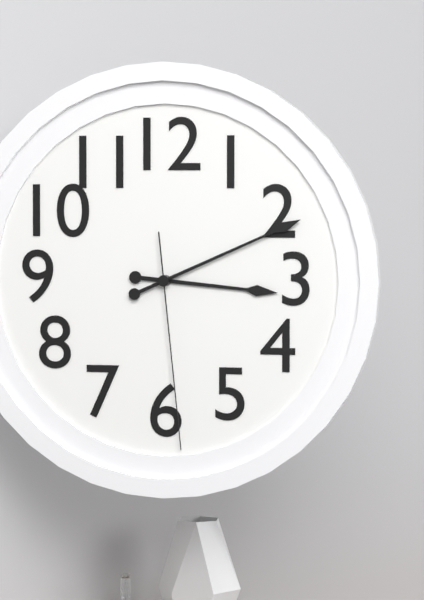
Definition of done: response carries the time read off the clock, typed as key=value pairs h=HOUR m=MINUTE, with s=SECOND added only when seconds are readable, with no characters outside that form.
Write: h=3 m=11 s=29
